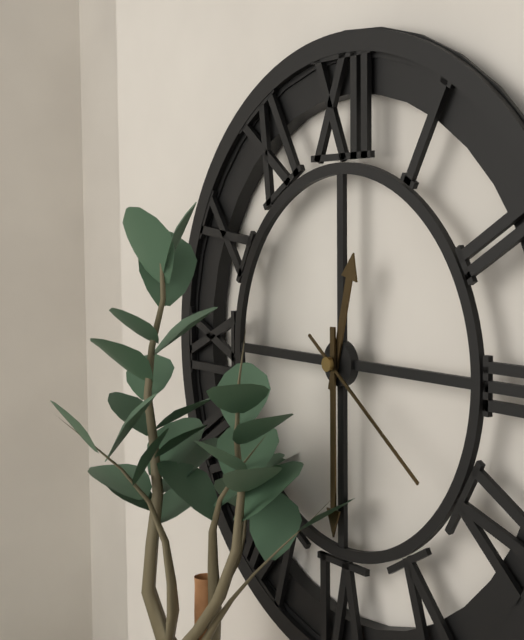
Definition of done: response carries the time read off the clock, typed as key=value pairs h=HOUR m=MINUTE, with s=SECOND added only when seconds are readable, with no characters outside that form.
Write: h=12 m=30 s=21
